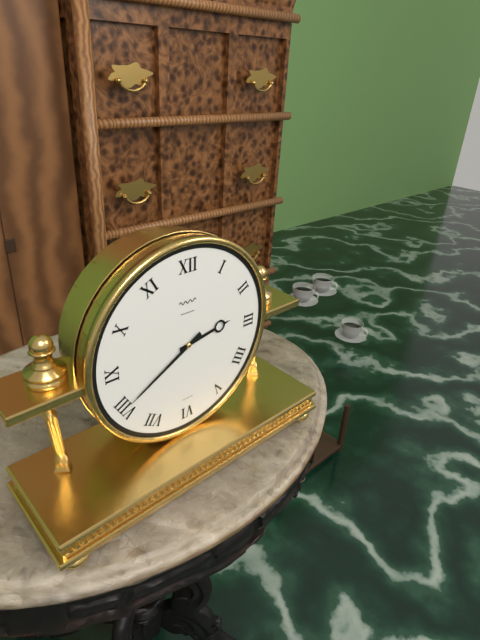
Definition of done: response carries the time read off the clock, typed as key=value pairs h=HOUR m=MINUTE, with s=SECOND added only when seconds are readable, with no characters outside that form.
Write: h=2 m=40
